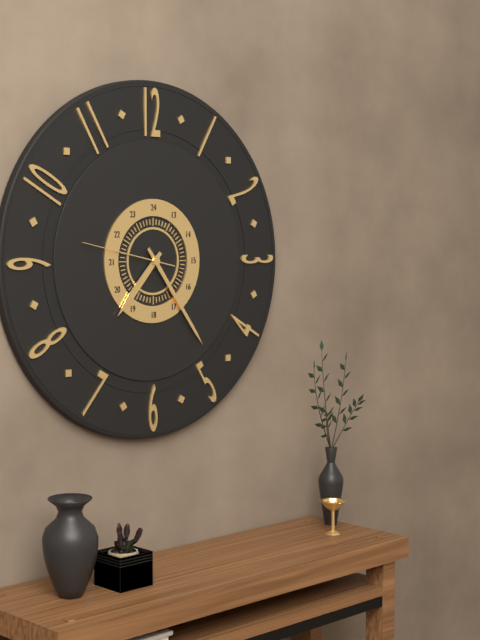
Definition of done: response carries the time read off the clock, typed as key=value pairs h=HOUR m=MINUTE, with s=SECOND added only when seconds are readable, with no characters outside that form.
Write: h=7 m=24 s=47
